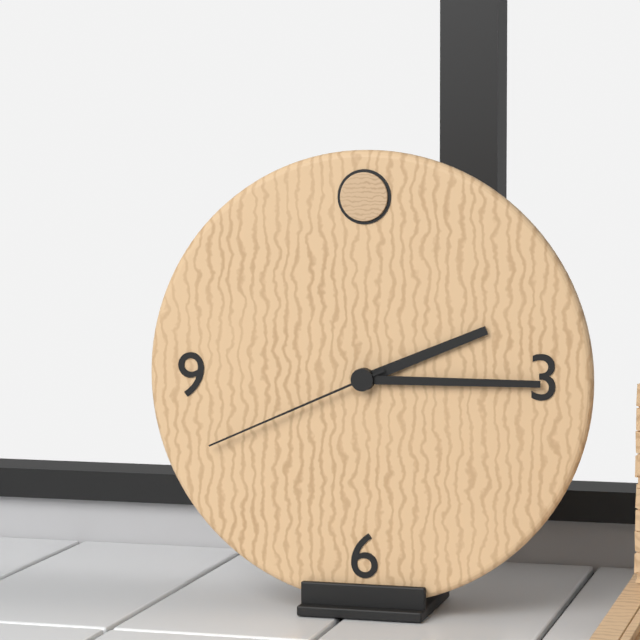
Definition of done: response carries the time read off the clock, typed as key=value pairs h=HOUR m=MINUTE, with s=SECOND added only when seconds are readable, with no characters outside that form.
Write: h=2 m=15 s=41
